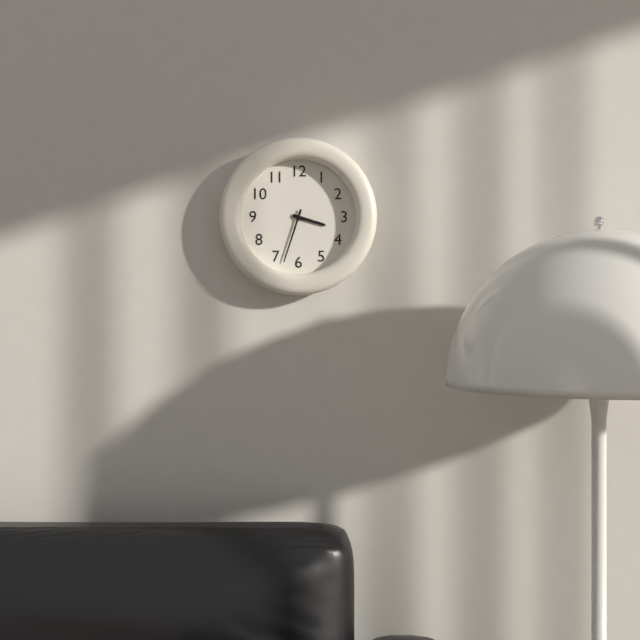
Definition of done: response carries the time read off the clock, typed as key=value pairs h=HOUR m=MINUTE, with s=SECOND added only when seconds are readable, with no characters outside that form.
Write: h=3 m=33
